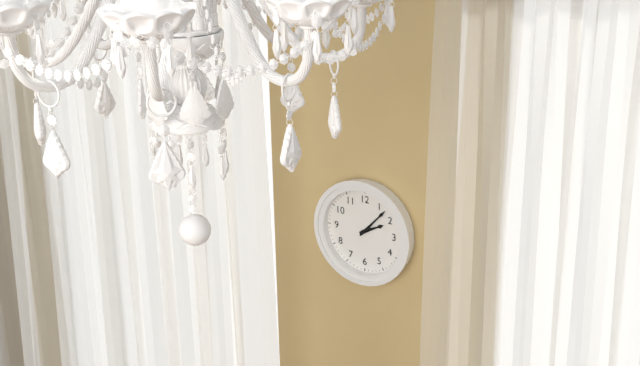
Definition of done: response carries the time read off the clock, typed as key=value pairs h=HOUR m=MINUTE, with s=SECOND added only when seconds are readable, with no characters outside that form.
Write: h=2 m=7
